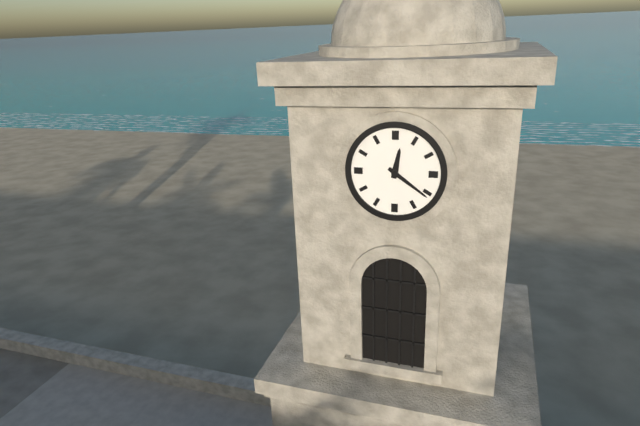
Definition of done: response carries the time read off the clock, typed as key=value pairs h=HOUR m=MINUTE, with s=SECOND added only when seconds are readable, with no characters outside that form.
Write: h=12 m=21
